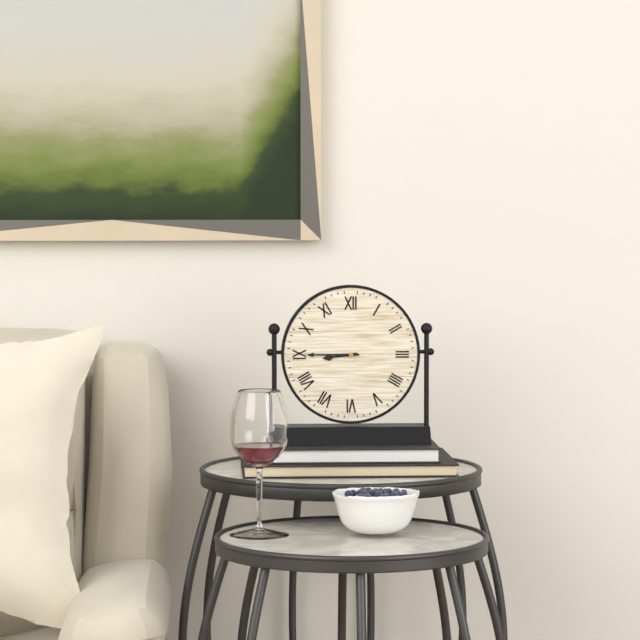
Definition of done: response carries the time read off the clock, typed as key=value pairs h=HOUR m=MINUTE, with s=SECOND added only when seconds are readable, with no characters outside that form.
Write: h=8 m=45
